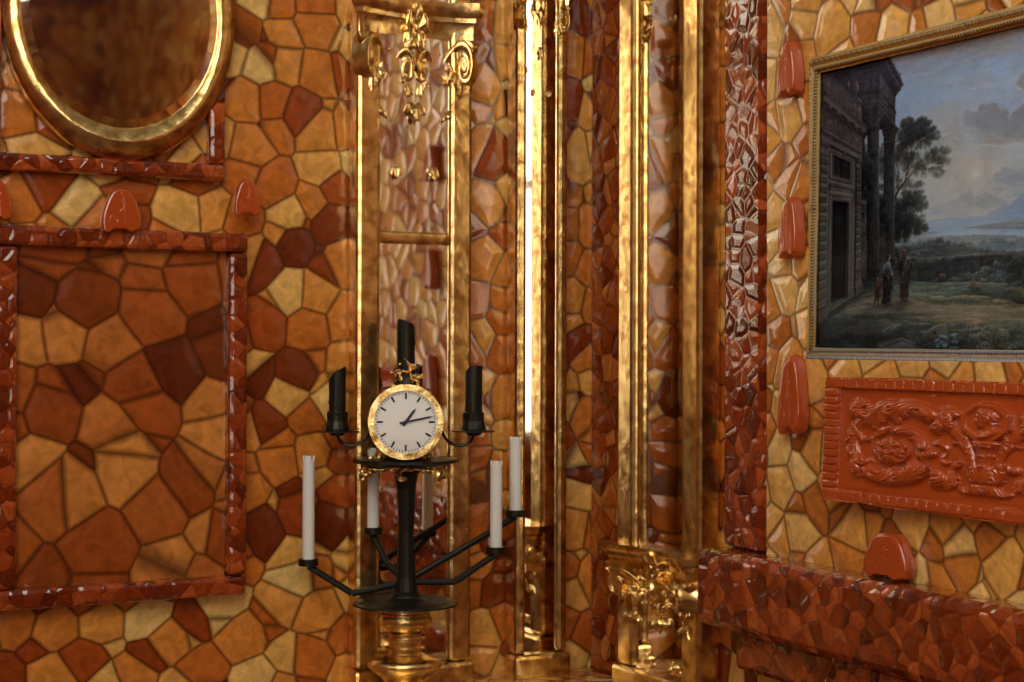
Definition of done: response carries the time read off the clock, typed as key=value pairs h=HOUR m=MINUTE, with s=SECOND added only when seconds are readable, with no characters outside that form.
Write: h=1 m=13
